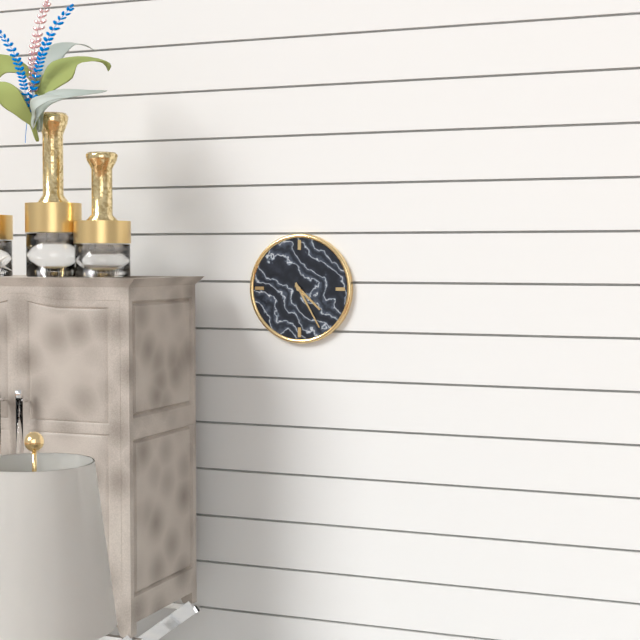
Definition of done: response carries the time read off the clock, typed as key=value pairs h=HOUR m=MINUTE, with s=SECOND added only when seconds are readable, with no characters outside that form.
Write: h=4 m=25
